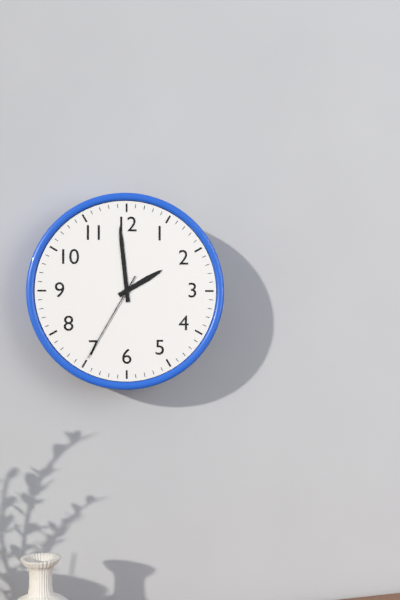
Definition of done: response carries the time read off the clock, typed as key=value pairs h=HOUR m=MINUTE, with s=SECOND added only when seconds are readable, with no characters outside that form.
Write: h=1 m=59 s=35
